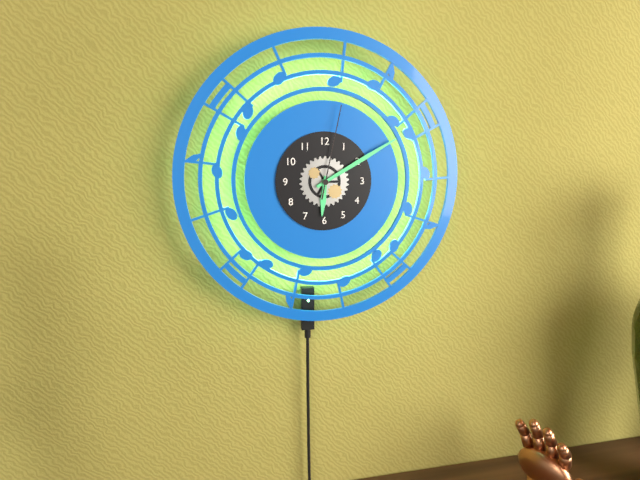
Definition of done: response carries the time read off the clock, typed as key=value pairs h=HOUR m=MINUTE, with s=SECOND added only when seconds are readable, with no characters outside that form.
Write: h=6 m=10 s=2
